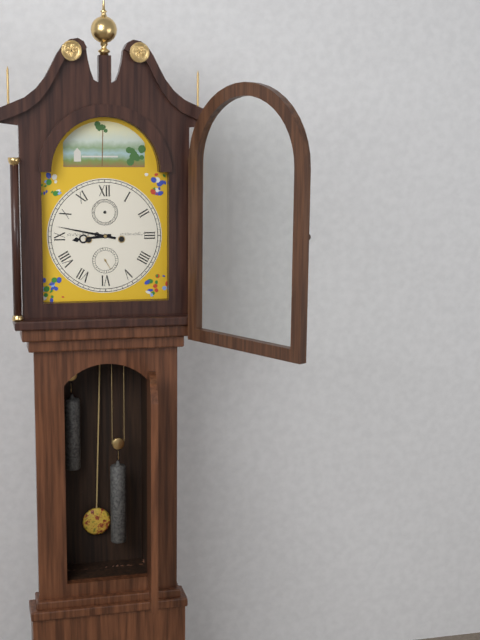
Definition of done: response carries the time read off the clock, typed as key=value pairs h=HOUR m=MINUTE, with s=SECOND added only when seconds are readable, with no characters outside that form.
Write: h=8 m=47
